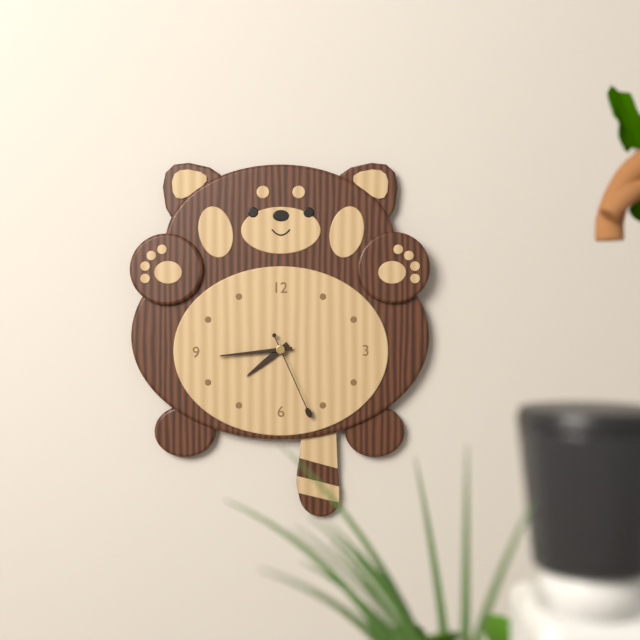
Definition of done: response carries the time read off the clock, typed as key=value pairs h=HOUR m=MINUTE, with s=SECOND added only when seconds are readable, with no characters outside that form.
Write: h=7 m=44 s=26
